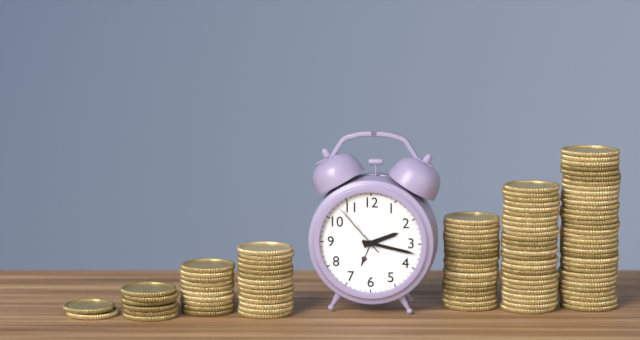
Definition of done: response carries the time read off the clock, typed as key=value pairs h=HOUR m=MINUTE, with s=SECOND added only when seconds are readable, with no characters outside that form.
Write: h=2 m=17 s=53
